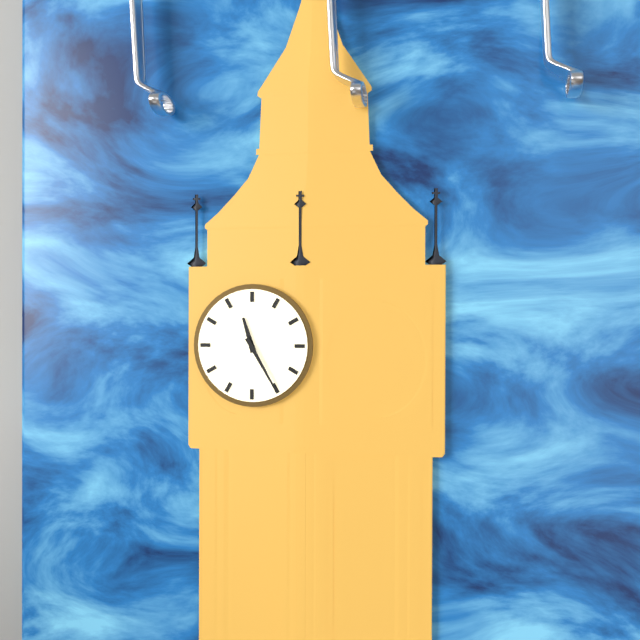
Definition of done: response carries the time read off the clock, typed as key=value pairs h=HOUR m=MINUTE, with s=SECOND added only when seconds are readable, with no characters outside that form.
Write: h=11 m=25
